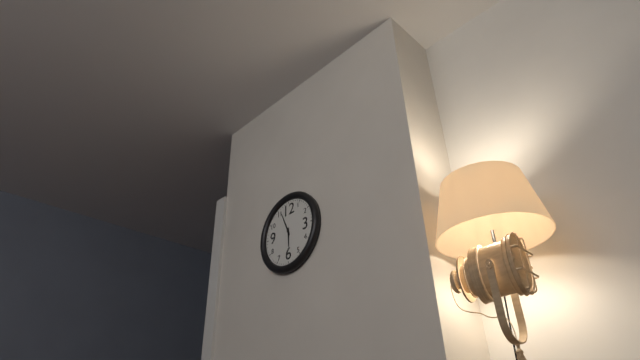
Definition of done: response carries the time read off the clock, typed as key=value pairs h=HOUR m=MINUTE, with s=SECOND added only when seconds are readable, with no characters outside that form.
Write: h=5 m=56
